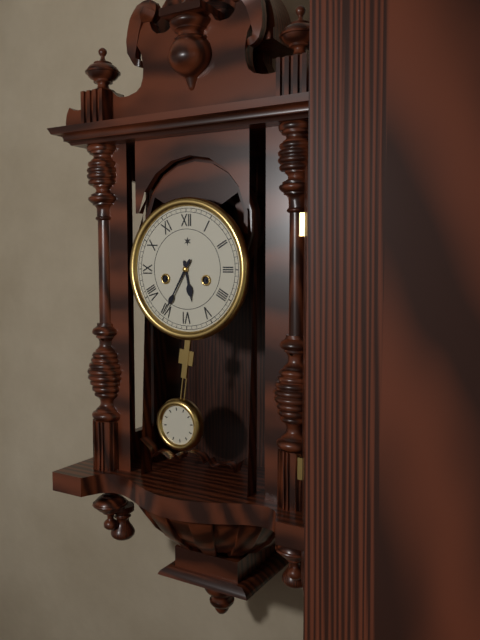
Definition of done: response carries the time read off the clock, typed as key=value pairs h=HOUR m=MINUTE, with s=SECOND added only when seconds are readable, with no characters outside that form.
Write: h=5 m=35
